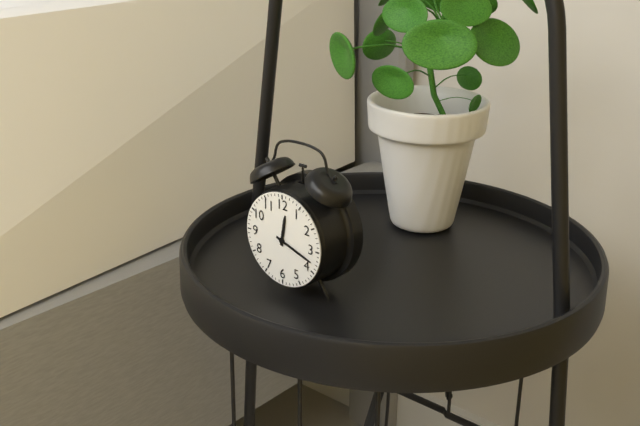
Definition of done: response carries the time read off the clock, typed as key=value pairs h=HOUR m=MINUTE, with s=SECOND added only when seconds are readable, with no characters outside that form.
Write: h=12 m=18
